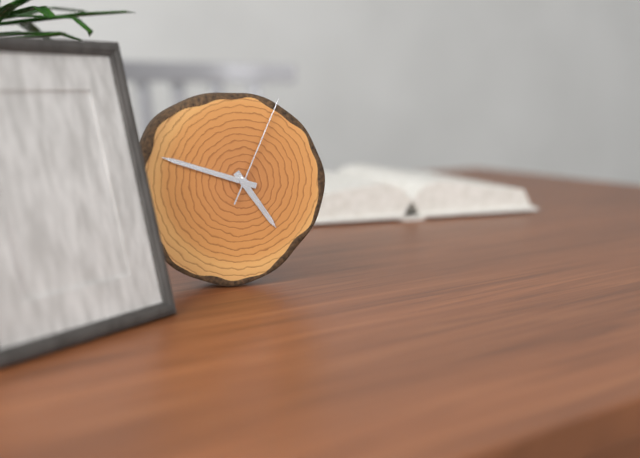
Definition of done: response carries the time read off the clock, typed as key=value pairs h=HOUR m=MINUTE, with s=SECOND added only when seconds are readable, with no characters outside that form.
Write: h=4 m=48 s=4
